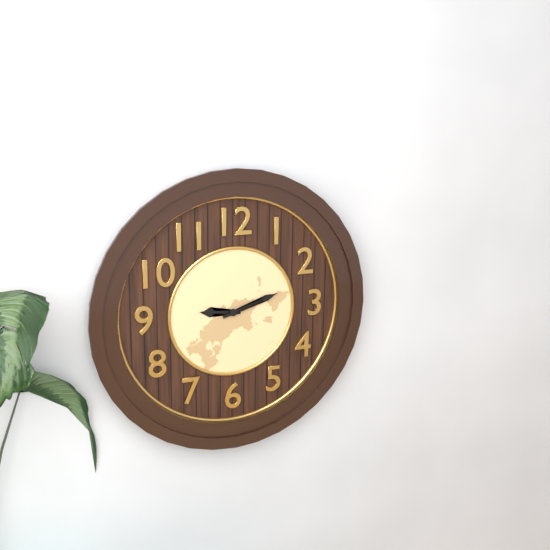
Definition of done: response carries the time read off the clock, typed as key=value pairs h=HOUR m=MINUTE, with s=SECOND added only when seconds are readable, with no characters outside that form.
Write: h=9 m=12
